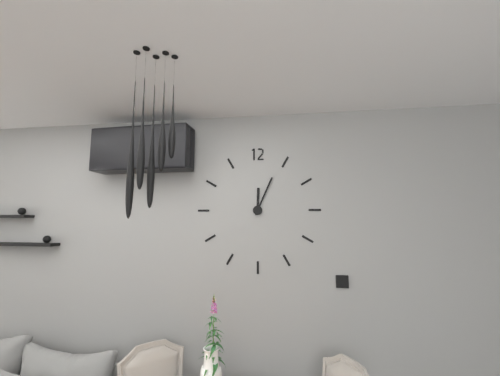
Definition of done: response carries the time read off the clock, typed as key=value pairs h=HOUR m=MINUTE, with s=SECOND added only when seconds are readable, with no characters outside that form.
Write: h=12 m=4
